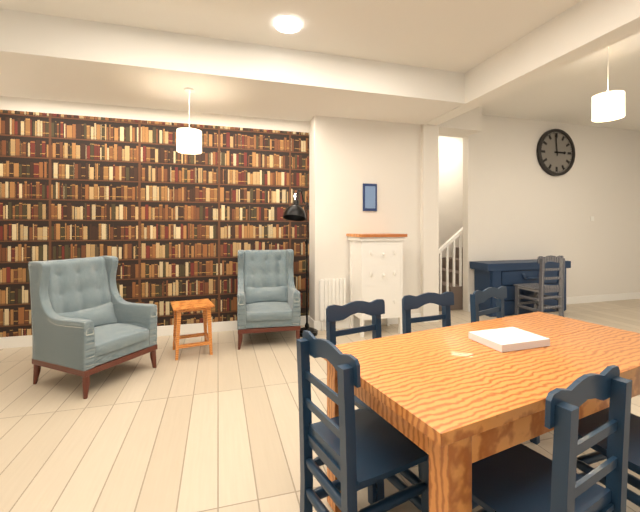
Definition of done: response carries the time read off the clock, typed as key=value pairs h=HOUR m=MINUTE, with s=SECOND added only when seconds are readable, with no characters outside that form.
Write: h=2 m=59
